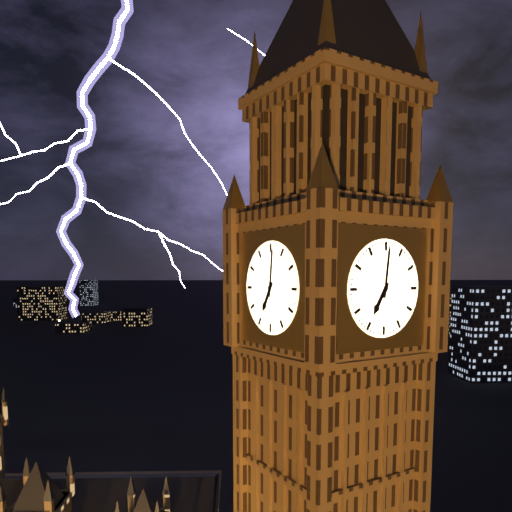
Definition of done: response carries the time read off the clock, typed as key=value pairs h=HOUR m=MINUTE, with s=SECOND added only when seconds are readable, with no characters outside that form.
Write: h=7 m=1
